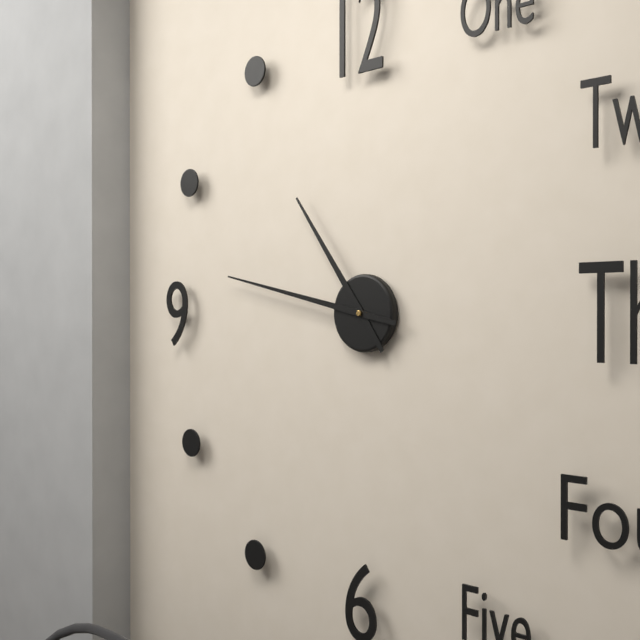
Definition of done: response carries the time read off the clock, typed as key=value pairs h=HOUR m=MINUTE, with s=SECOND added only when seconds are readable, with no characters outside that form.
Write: h=10 m=47
